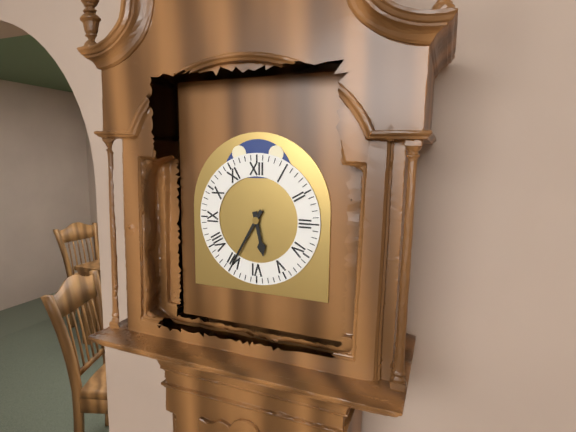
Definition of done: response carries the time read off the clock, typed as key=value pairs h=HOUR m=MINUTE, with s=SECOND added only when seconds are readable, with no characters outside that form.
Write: h=5 m=35
